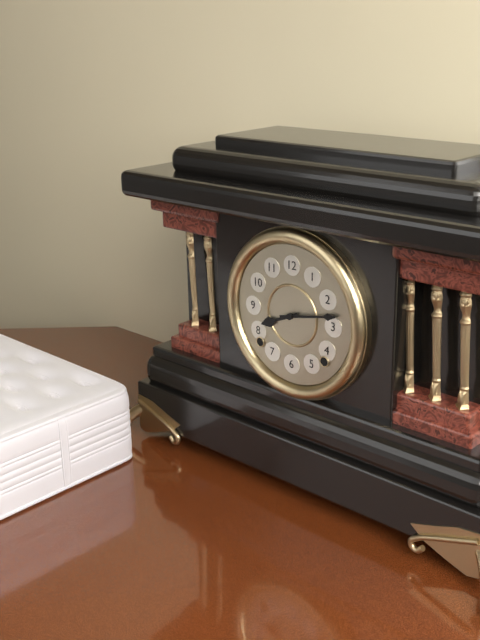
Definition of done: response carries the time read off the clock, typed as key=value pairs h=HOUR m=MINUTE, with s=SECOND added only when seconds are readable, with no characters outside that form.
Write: h=8 m=13
